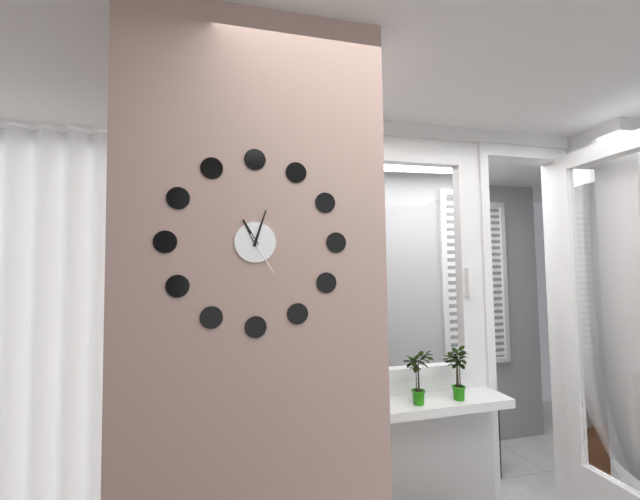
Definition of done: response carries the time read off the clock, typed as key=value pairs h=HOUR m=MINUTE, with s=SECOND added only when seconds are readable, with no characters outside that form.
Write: h=11 m=3
